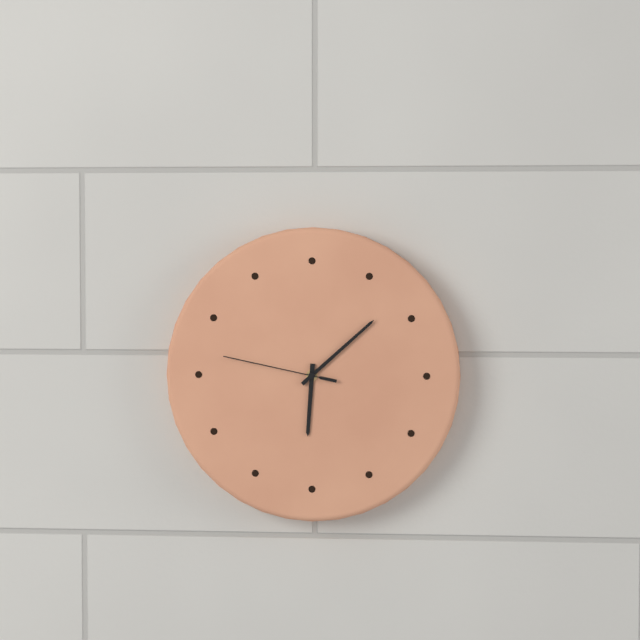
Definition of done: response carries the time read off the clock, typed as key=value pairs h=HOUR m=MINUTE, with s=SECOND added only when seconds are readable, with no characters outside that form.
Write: h=6 m=8 s=47
